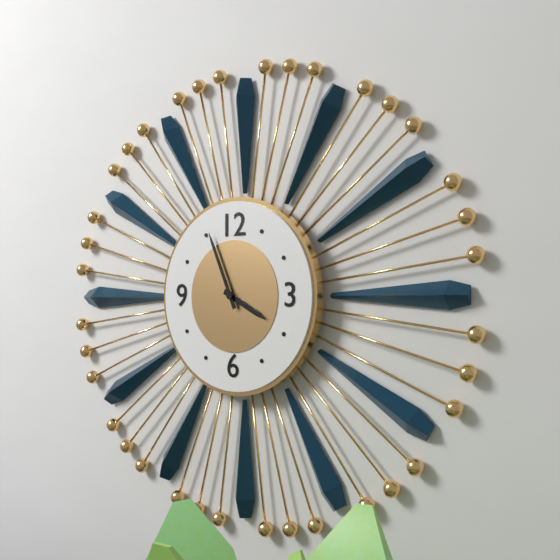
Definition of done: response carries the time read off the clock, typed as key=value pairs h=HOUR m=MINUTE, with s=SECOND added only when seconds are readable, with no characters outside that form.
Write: h=3 m=56
